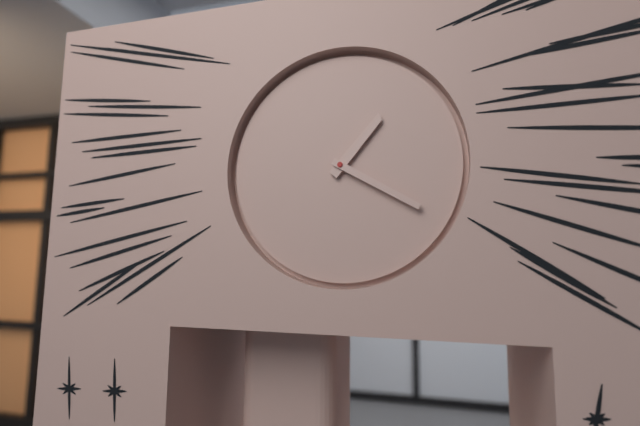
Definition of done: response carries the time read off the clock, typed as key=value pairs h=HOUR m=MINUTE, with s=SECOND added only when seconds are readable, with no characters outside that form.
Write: h=1 m=20
